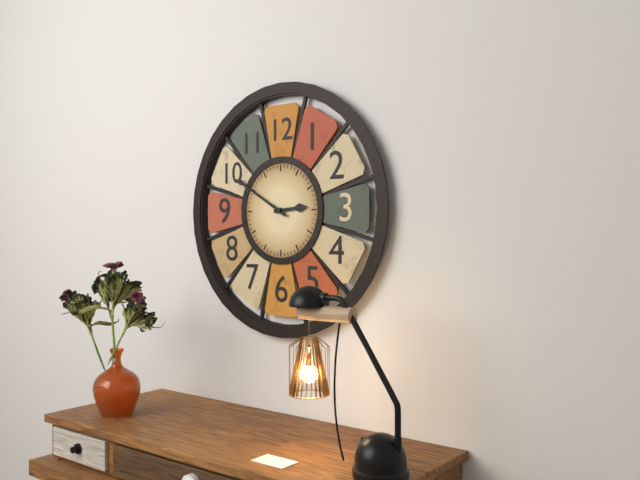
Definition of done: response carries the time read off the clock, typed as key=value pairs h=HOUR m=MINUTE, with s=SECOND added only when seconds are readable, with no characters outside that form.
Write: h=2 m=50
